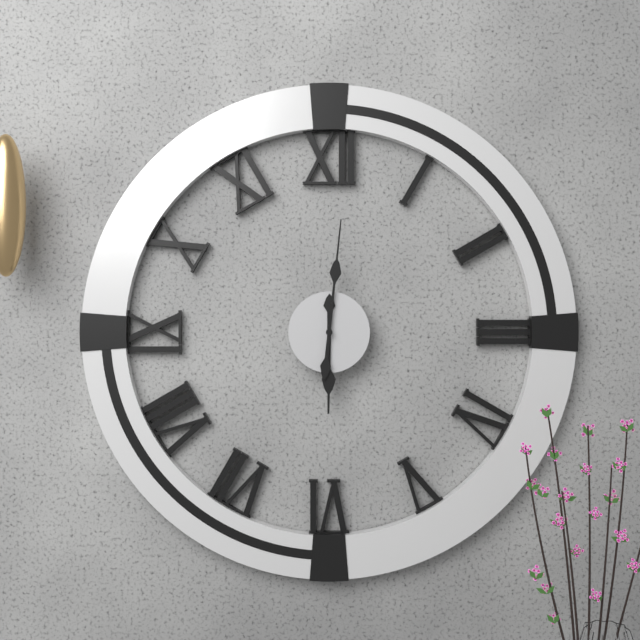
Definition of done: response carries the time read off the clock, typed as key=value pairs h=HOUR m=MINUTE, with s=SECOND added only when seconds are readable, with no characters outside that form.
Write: h=6 m=1
